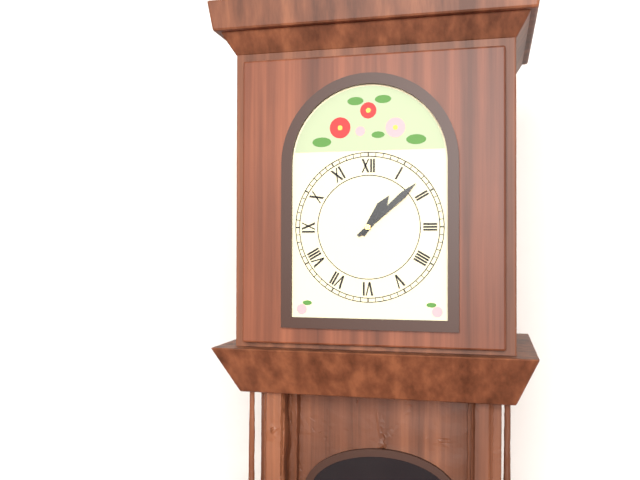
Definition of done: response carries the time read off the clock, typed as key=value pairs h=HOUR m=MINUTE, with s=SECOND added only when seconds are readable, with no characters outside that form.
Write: h=1 m=8
